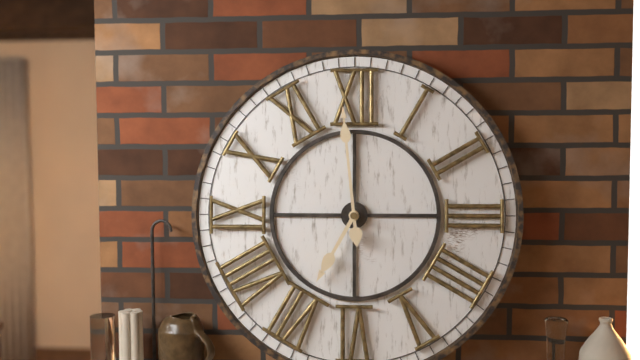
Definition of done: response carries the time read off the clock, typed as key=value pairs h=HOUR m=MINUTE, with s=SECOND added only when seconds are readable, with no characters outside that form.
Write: h=6 m=59
